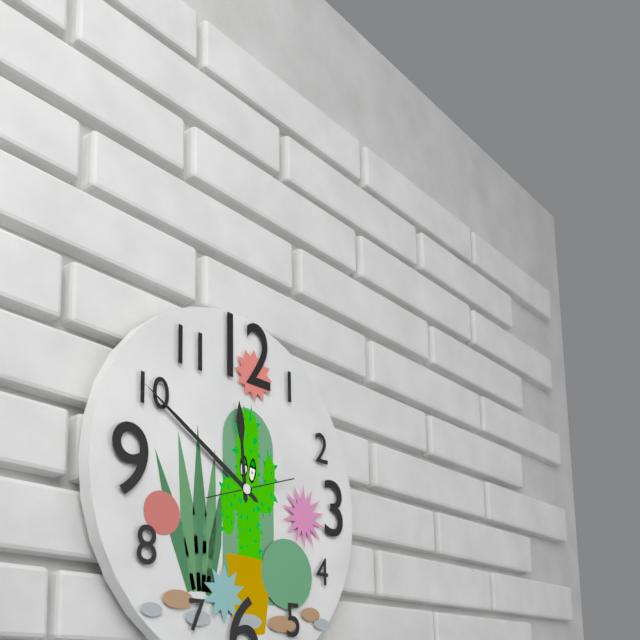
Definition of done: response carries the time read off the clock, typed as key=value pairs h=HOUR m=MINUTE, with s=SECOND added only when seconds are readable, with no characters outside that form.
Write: h=11 m=50 s=12
